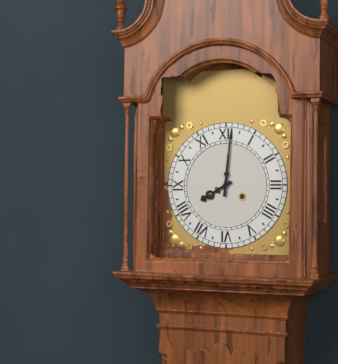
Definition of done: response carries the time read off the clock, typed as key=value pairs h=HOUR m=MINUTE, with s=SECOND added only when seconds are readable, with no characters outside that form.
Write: h=8 m=1
